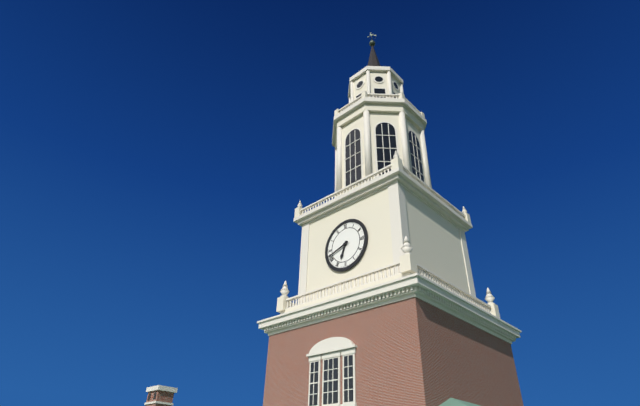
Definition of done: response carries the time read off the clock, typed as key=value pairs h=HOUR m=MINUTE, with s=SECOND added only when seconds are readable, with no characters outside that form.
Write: h=6 m=42
